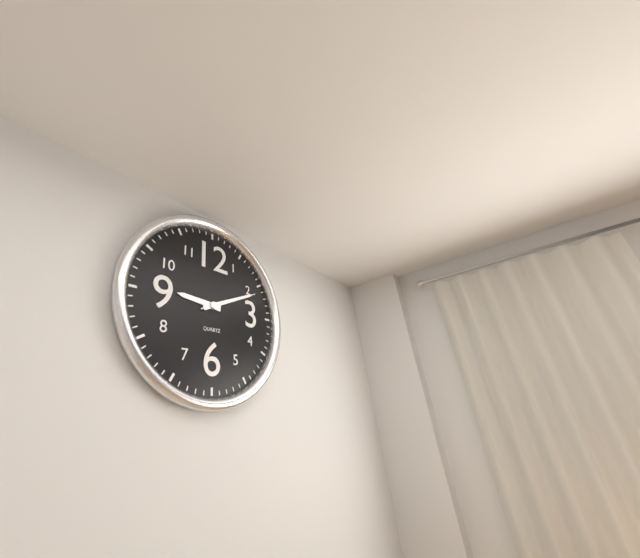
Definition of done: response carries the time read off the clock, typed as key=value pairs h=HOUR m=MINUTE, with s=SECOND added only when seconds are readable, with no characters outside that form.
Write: h=9 m=11 s=11
